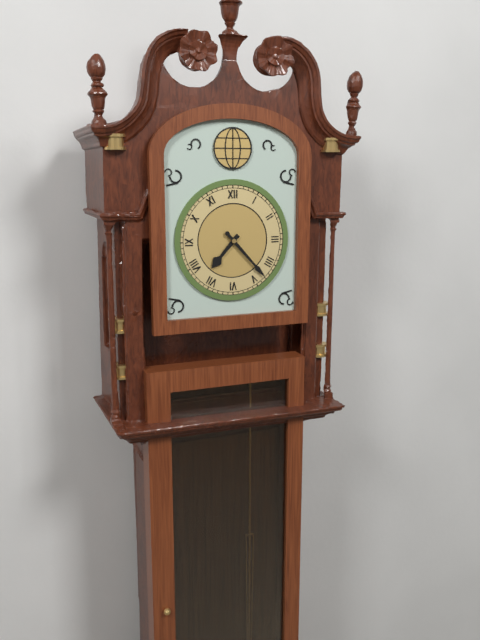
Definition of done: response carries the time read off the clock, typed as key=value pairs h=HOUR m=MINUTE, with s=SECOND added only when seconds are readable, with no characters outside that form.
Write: h=7 m=23
